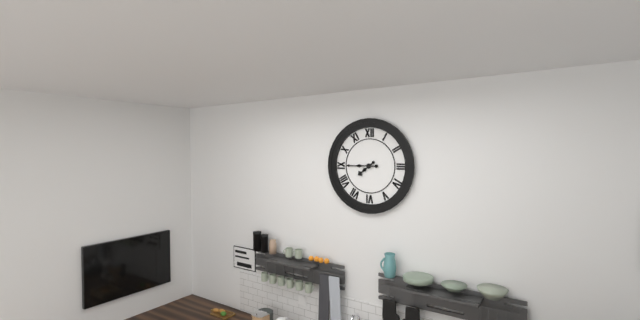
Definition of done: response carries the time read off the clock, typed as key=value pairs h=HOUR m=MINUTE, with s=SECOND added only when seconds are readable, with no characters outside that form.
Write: h=7 m=45
